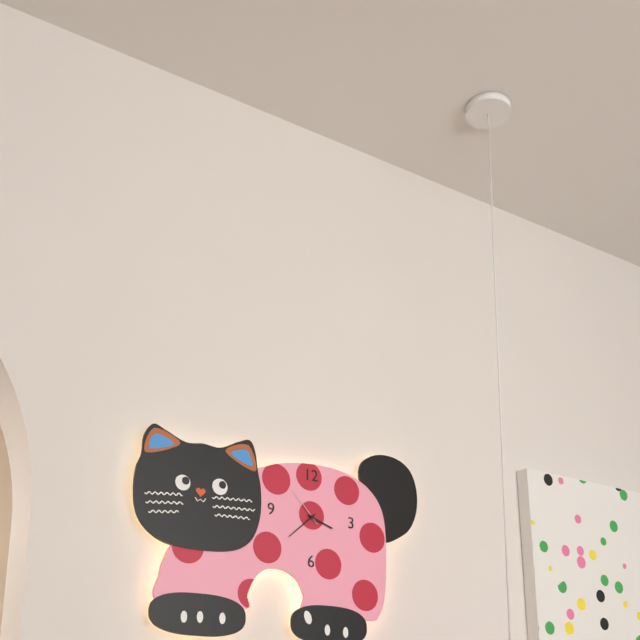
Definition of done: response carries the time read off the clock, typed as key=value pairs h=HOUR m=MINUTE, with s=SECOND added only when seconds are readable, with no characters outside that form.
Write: h=3 m=38
